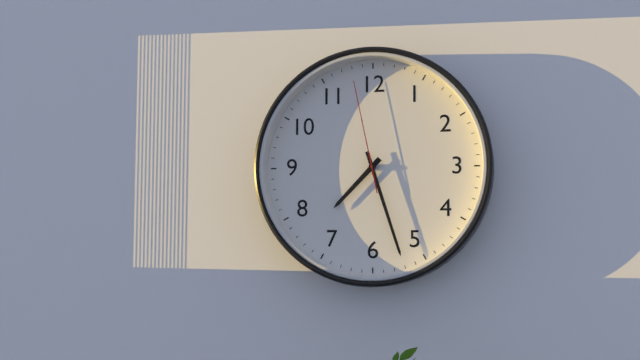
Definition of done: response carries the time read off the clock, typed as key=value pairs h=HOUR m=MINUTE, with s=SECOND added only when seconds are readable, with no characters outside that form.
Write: h=7 m=27 s=58
